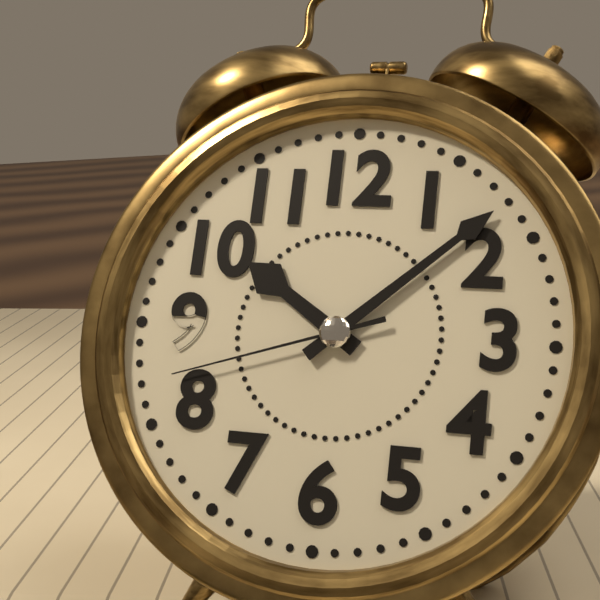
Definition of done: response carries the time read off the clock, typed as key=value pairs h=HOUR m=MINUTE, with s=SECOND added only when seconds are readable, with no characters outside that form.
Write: h=10 m=8 s=42
